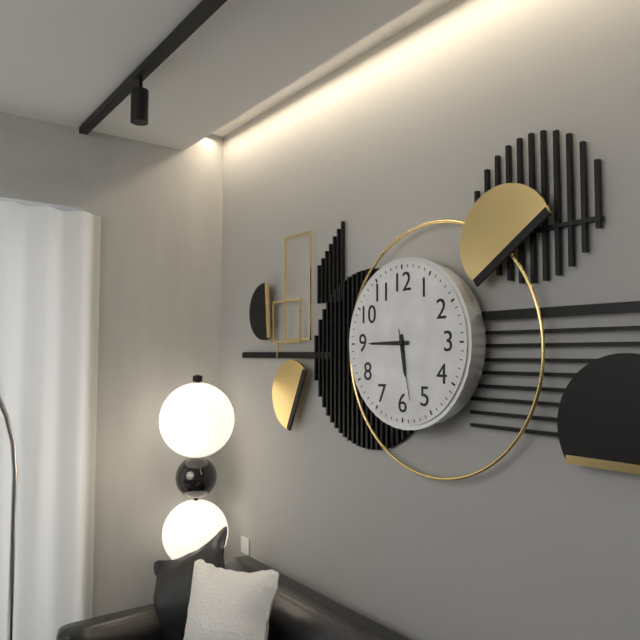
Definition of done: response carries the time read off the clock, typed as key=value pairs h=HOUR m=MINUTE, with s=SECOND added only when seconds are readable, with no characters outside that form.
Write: h=5 m=45 s=28
